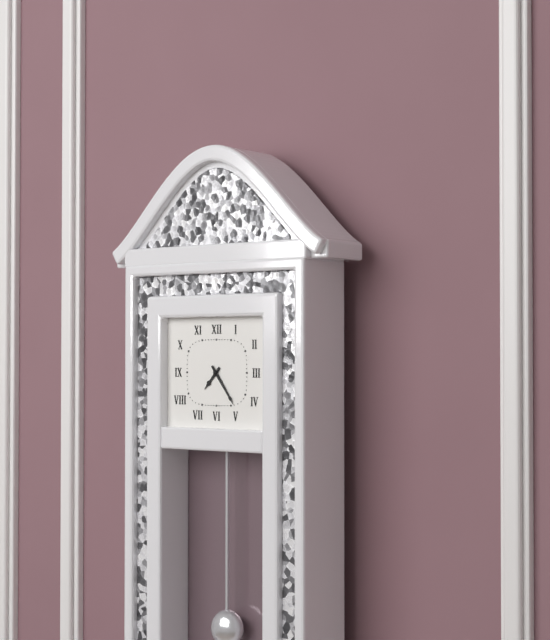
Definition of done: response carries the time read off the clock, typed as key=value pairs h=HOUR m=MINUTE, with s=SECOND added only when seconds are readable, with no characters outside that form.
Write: h=7 m=24
